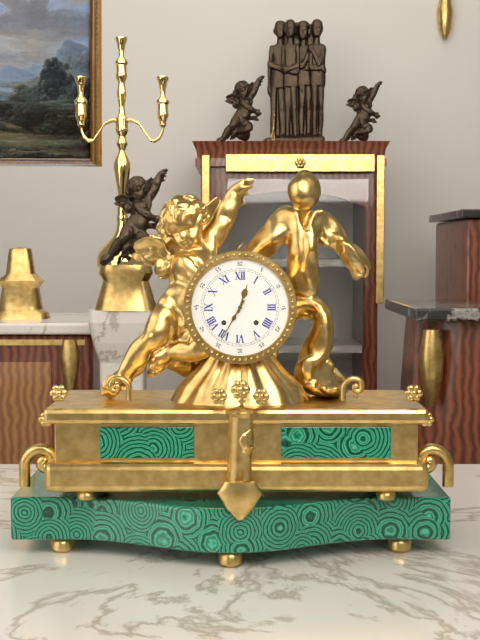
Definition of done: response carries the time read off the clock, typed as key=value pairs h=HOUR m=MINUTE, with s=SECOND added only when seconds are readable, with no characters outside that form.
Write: h=12 m=35
